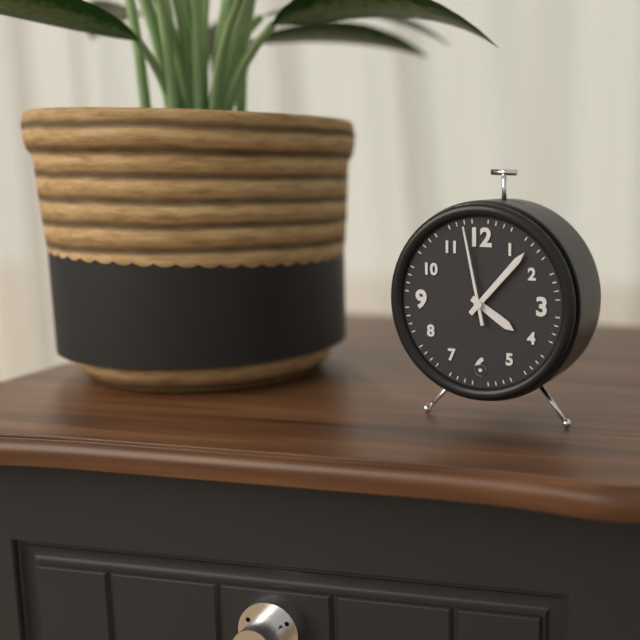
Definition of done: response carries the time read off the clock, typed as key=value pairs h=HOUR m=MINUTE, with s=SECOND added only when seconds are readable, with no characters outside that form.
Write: h=4 m=7 s=58
